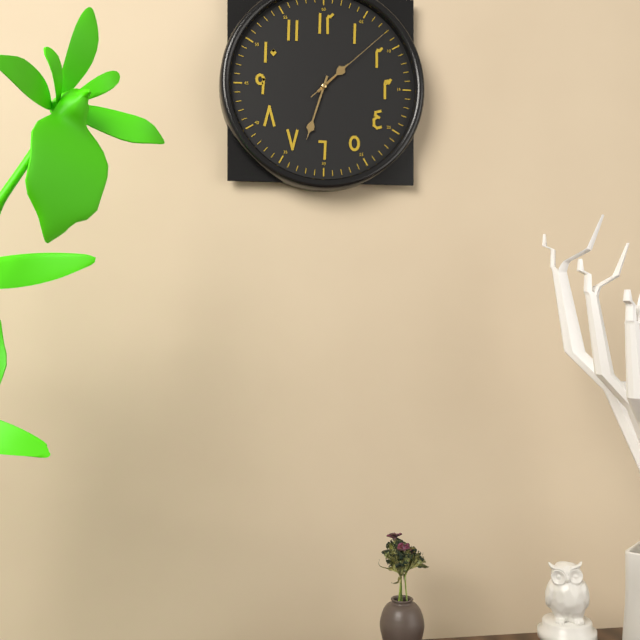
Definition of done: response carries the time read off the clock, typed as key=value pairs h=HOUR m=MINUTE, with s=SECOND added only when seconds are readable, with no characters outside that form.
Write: h=1 m=33 s=8
